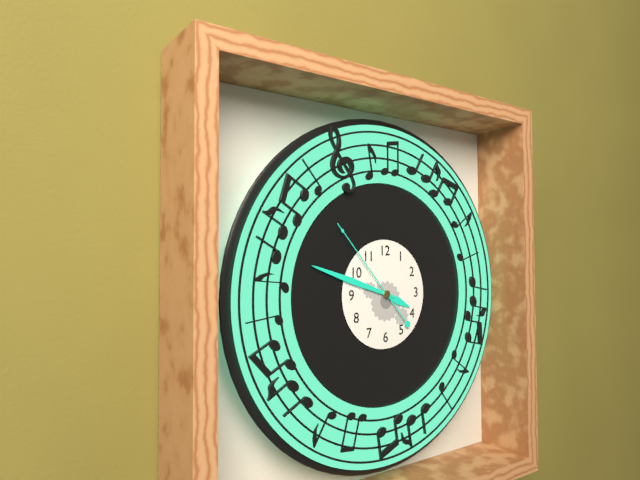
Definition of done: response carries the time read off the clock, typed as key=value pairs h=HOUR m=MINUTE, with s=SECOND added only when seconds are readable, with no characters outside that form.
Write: h=3 m=48 s=53
